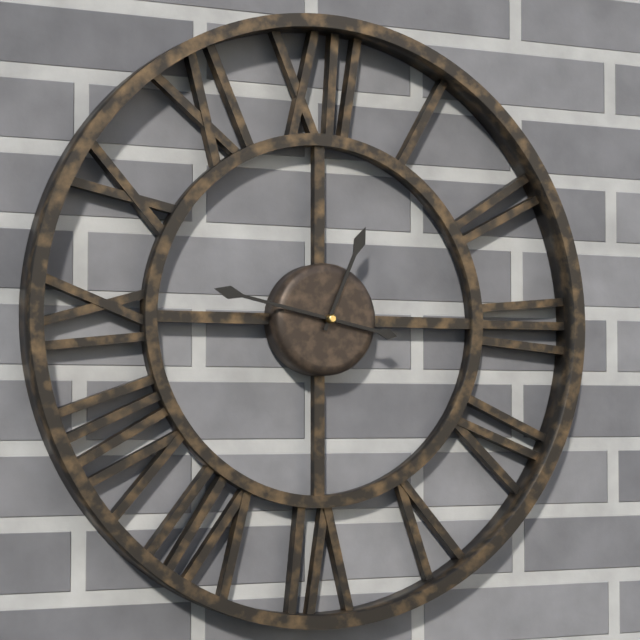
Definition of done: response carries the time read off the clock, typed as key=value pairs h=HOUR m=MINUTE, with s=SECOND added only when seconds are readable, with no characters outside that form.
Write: h=12 m=47
